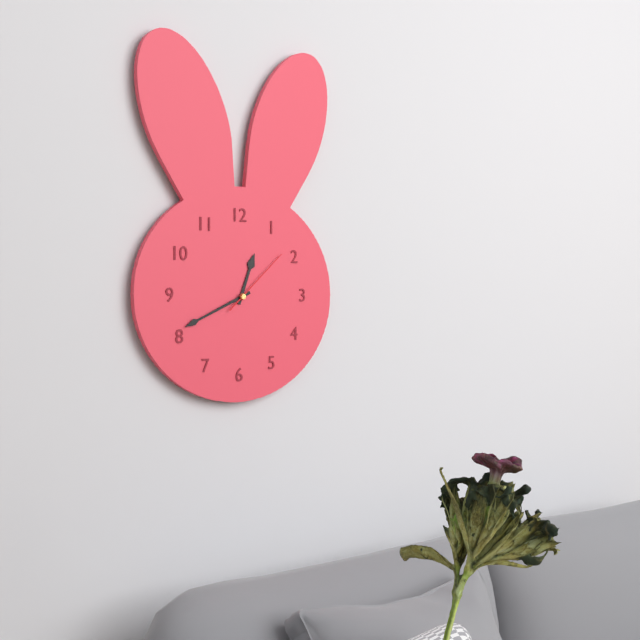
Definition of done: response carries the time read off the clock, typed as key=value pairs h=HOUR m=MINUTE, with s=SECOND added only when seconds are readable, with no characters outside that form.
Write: h=12 m=41 s=8
